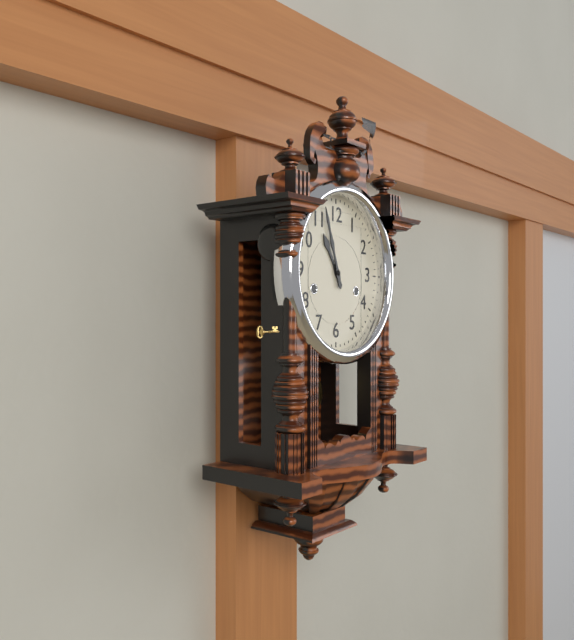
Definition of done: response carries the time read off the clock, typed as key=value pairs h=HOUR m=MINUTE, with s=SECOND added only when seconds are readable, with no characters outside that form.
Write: h=10 m=57
